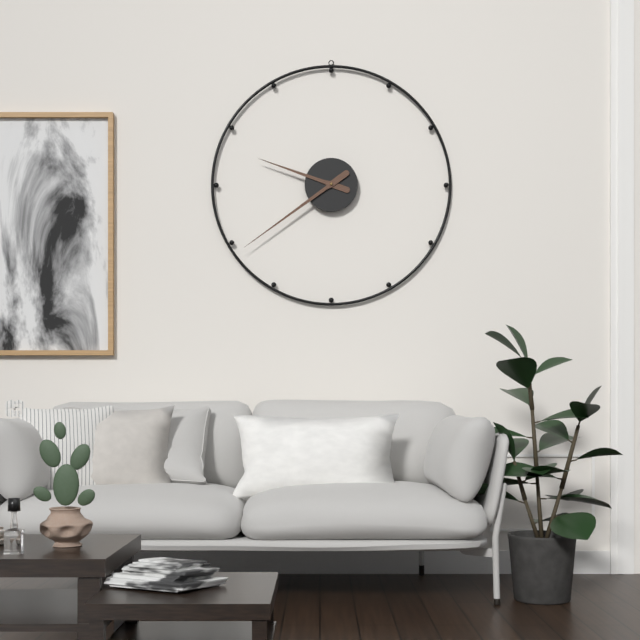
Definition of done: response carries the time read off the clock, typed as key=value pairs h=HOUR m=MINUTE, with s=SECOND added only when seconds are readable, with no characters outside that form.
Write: h=9 m=39
